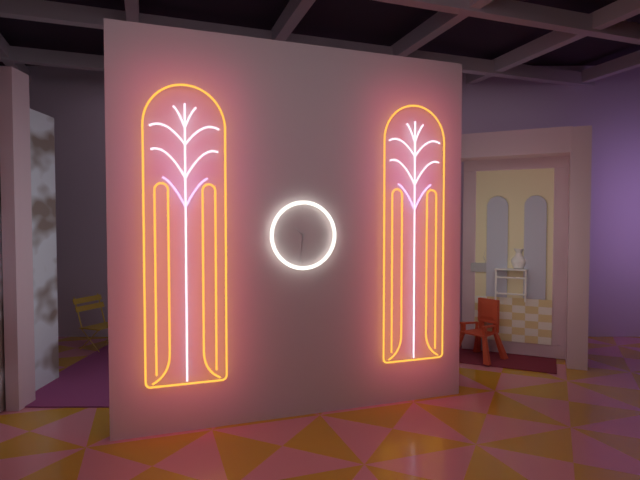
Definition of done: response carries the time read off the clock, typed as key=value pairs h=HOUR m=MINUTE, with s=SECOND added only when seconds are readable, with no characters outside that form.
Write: h=10 m=31
